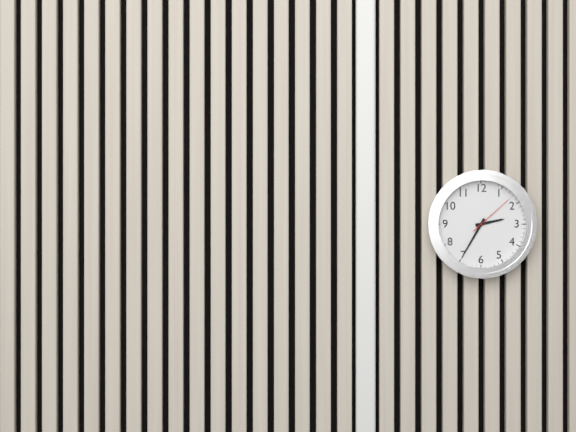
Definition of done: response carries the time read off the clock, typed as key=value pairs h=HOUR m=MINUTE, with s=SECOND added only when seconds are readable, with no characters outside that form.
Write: h=2 m=35 s=8
